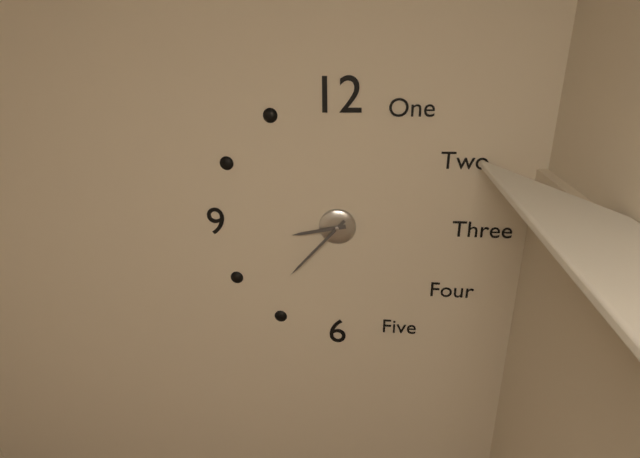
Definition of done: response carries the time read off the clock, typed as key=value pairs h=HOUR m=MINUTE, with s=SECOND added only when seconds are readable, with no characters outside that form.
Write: h=8 m=37
